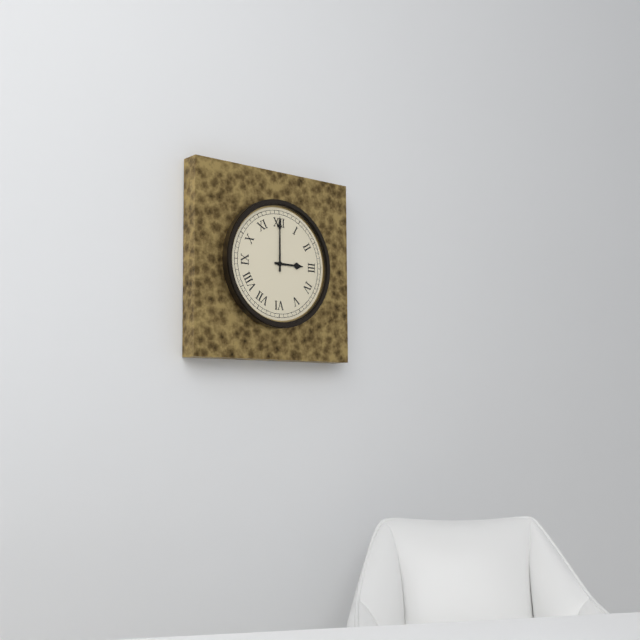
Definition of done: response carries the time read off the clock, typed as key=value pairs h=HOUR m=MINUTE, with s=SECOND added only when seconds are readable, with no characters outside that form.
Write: h=3 m=0
